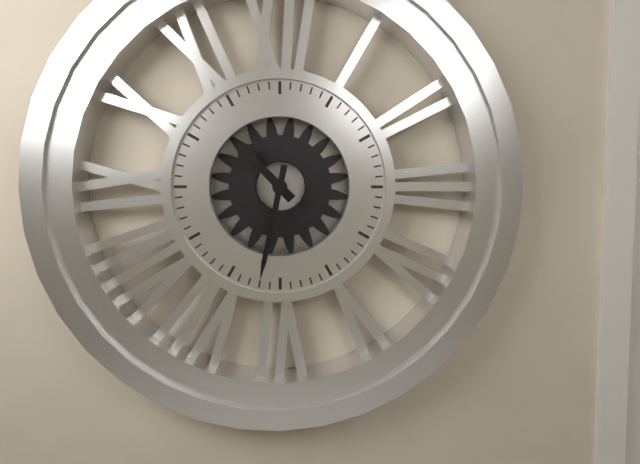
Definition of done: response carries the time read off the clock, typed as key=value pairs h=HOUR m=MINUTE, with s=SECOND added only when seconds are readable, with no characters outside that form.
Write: h=10 m=32
